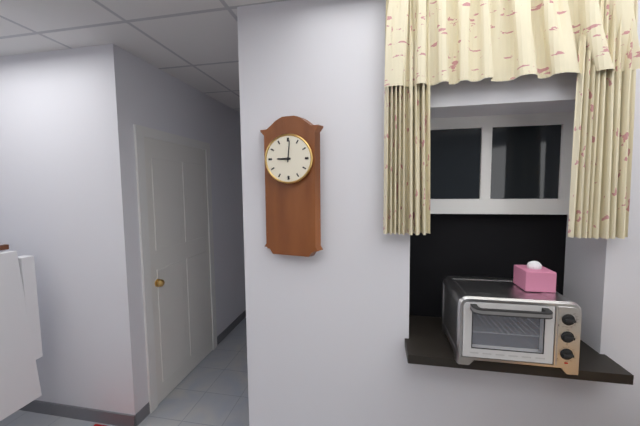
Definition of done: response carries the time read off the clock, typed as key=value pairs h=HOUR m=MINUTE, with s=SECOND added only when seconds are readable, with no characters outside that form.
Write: h=9 m=1
